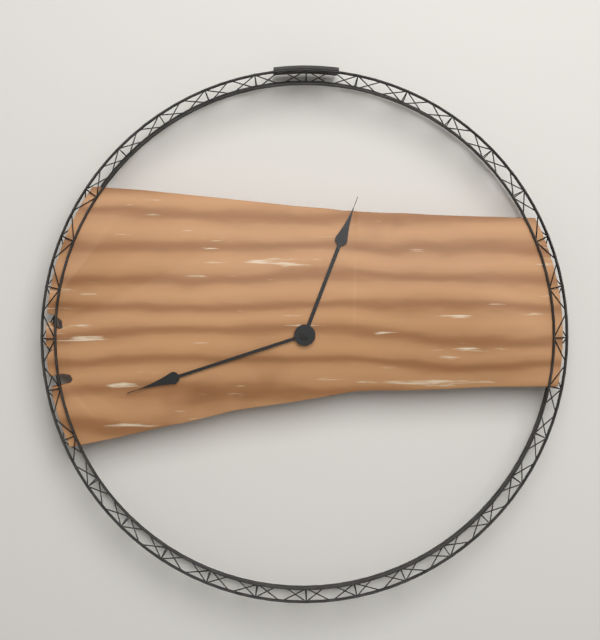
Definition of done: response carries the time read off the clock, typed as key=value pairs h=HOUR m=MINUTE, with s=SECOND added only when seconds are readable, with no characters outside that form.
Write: h=12 m=42
